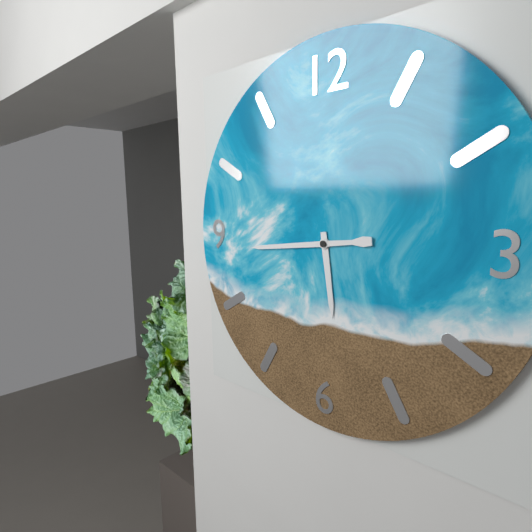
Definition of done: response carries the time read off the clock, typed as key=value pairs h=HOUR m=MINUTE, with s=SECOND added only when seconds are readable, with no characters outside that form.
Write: h=5 m=44
